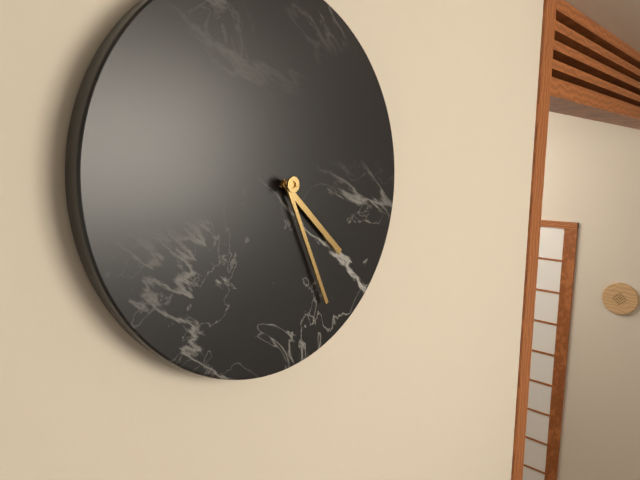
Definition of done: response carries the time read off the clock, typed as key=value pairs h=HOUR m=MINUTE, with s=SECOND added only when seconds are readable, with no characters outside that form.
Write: h=4 m=26
